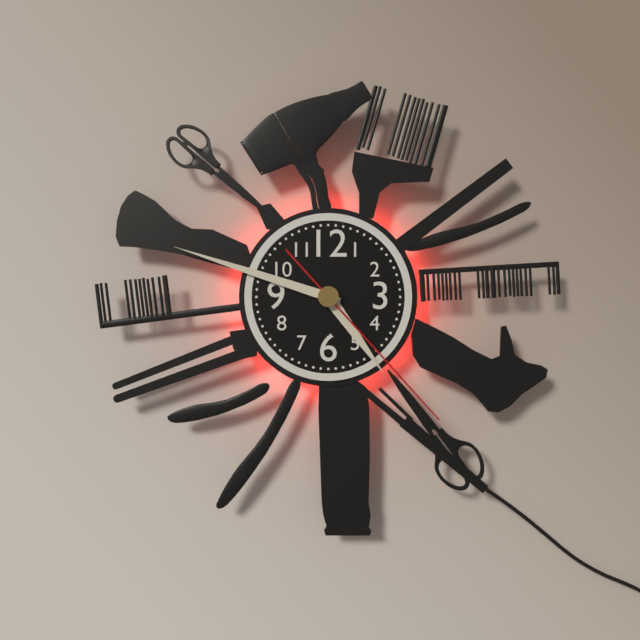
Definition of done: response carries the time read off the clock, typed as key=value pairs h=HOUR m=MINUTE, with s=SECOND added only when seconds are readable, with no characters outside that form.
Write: h=4 m=48 s=23
